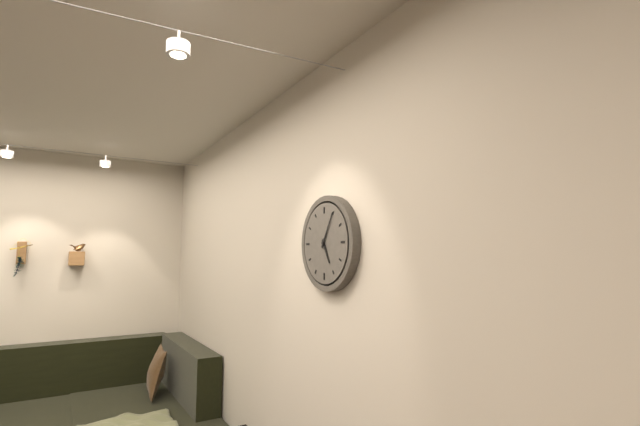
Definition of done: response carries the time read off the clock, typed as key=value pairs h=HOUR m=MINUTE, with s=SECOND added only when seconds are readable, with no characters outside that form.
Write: h=5 m=5
